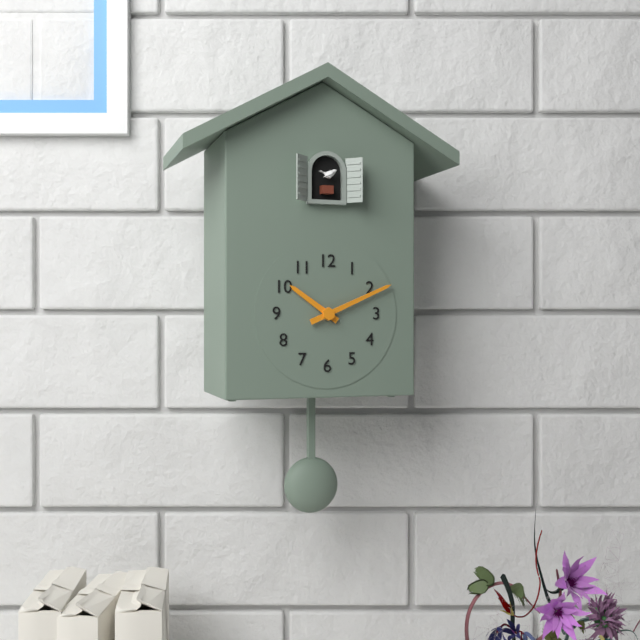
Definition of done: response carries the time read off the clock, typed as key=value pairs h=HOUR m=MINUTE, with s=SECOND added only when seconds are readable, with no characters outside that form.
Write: h=10 m=11
